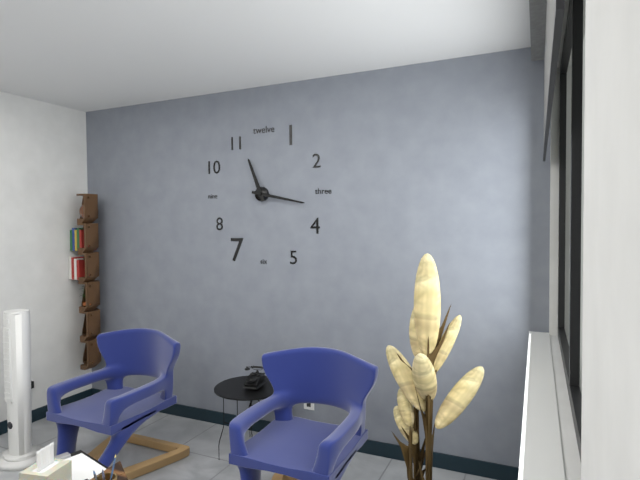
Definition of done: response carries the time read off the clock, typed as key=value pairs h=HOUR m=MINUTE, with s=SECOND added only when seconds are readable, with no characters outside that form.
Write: h=11 m=17
